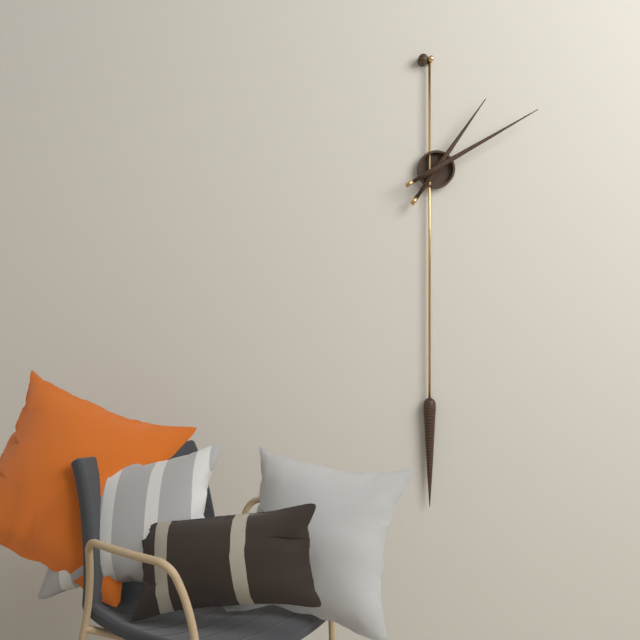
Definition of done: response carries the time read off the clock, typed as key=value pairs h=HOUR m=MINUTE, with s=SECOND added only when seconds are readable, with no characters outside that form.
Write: h=1 m=10
